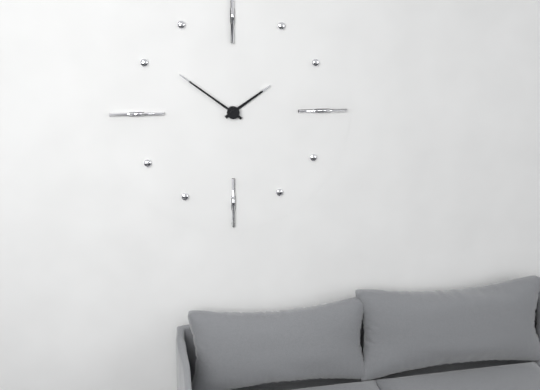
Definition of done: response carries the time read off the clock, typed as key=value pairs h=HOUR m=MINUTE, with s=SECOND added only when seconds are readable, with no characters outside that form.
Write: h=1 m=51
